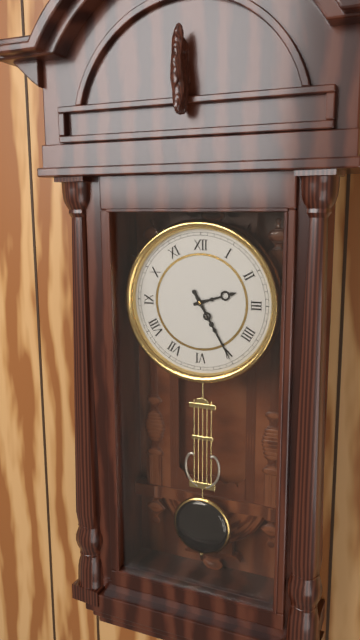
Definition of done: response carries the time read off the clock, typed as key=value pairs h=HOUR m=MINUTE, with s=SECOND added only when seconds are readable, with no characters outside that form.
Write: h=2 m=25
